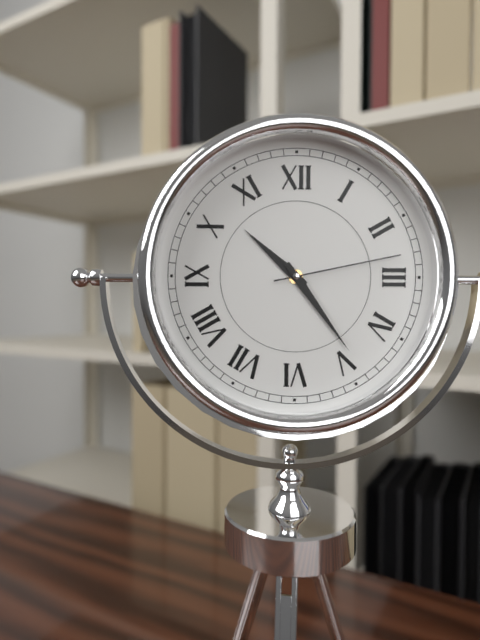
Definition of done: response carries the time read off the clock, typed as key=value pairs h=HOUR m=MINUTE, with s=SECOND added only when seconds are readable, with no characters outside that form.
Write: h=10 m=24 s=13
